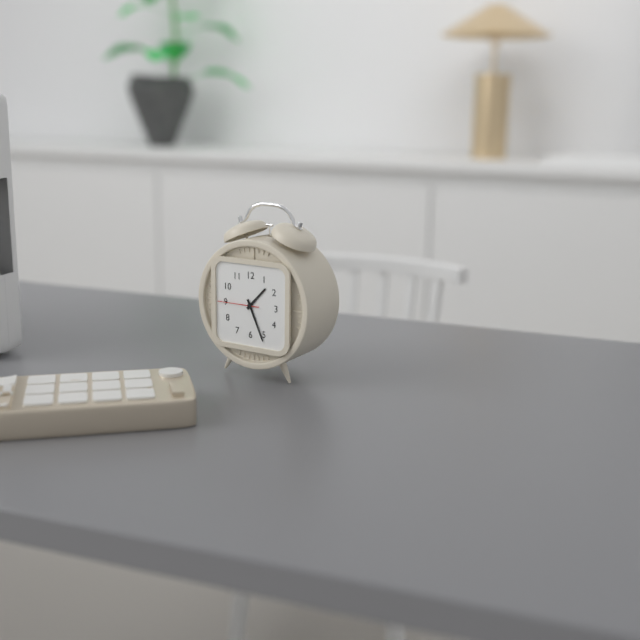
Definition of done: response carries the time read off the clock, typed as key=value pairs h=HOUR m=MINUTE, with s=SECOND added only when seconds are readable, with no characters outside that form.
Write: h=1 m=26
